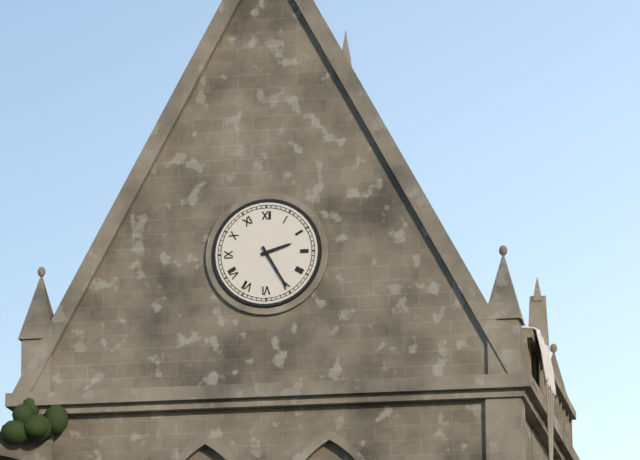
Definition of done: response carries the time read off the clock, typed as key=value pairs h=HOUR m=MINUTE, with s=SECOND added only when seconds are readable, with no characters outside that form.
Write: h=2 m=25
